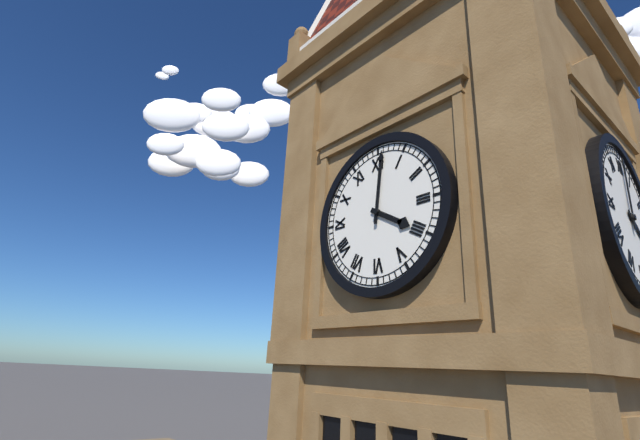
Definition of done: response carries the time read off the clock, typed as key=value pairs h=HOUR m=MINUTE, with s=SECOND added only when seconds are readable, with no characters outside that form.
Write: h=4 m=1
